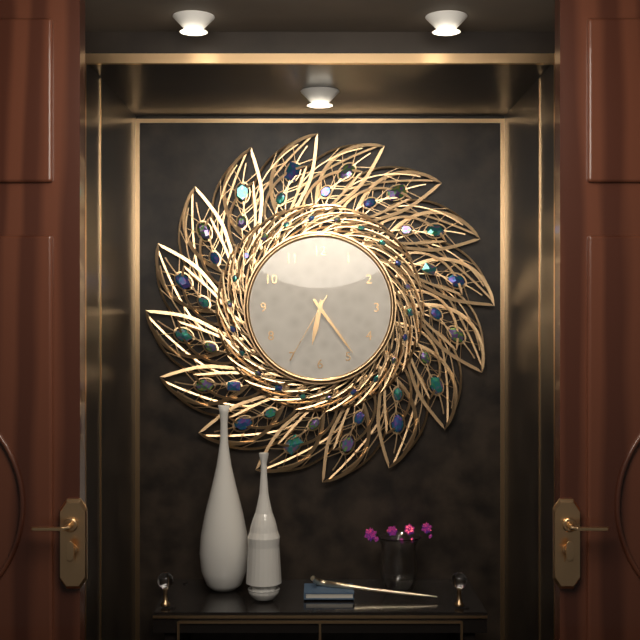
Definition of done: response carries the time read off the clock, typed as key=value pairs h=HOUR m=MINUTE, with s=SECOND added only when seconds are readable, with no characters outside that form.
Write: h=6 m=24 s=35
